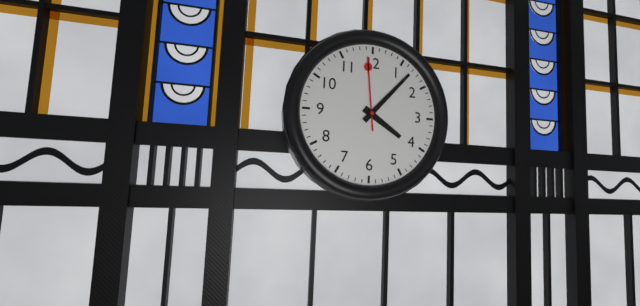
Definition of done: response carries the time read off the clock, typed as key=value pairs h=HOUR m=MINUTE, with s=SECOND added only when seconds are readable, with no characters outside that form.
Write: h=4 m=7 s=59
